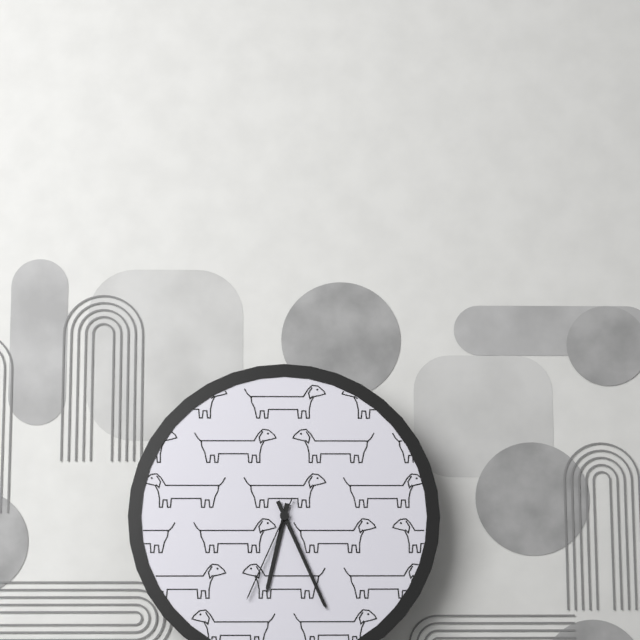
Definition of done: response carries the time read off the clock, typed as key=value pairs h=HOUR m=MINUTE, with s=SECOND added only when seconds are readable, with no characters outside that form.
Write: h=6 m=26 s=34
